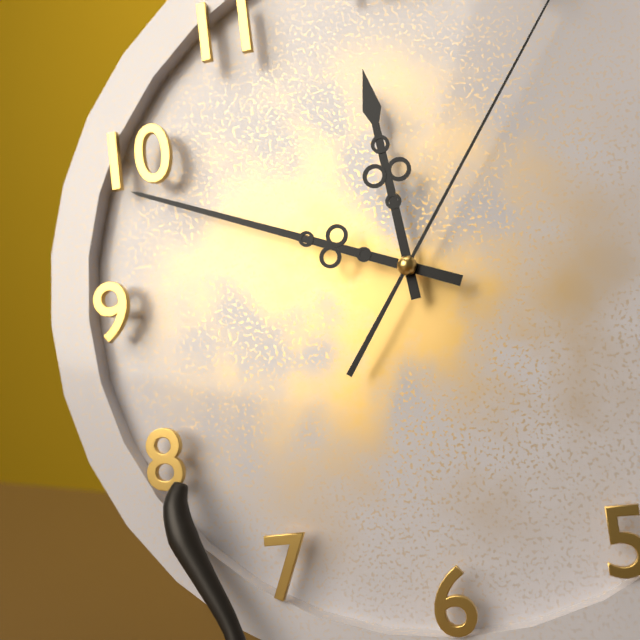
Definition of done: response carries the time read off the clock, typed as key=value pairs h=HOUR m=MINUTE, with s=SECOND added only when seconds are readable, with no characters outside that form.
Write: h=11 m=49
